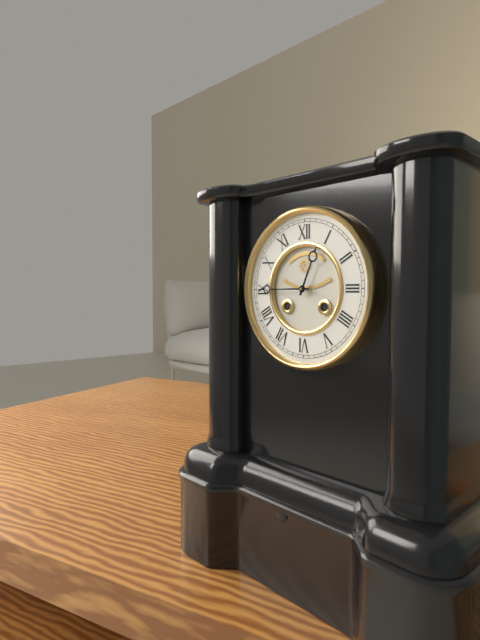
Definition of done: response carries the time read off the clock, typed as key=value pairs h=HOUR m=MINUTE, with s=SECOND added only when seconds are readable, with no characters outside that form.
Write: h=12 m=45
